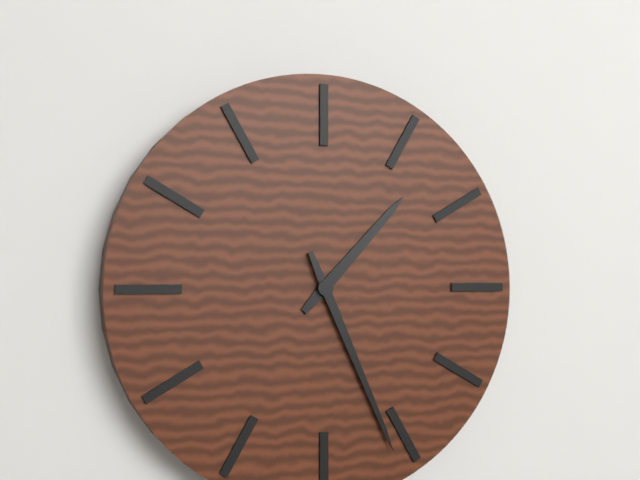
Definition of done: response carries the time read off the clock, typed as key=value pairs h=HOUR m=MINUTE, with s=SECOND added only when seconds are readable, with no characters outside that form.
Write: h=1 m=26
